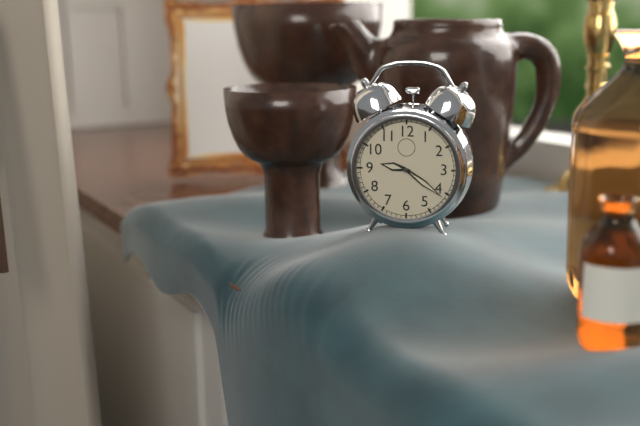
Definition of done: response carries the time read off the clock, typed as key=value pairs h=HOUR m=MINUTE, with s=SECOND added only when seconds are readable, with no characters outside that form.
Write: h=9 m=21
